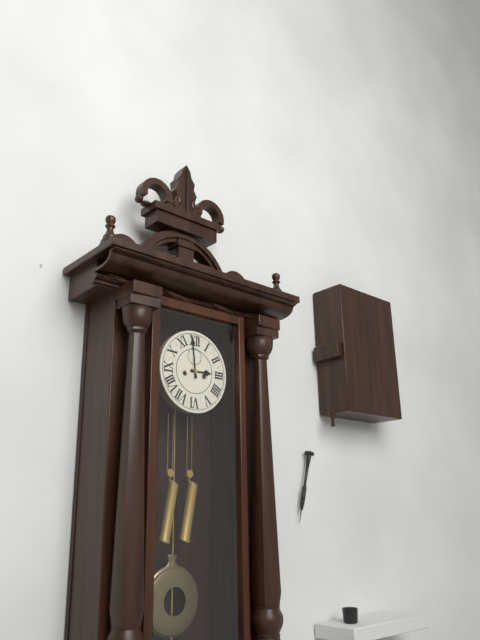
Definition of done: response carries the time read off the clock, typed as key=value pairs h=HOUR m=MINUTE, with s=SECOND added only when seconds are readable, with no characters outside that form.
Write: h=2 m=59
